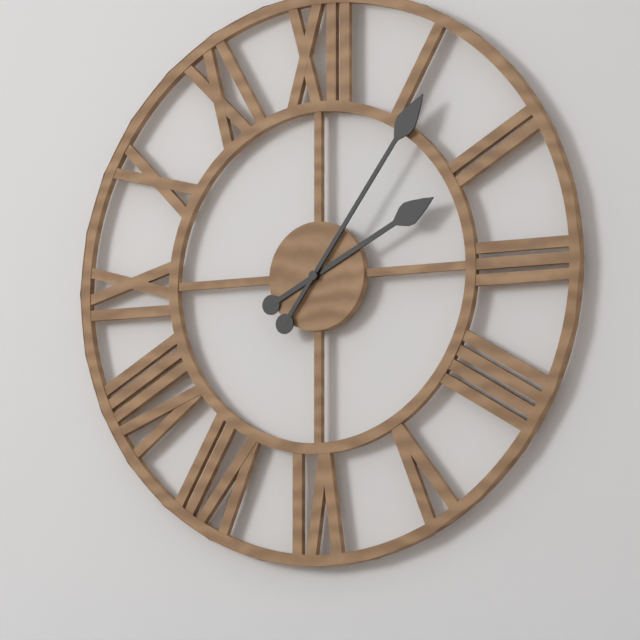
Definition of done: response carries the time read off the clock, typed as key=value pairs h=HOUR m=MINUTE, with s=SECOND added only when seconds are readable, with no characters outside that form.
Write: h=2 m=6
